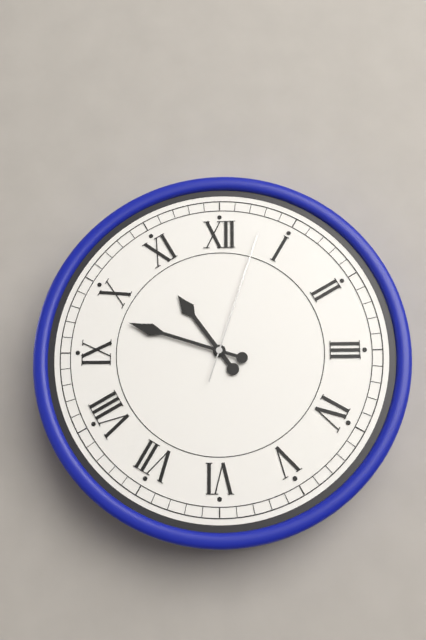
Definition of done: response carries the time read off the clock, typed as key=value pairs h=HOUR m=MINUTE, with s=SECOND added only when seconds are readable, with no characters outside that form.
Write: h=10 m=48 s=3
